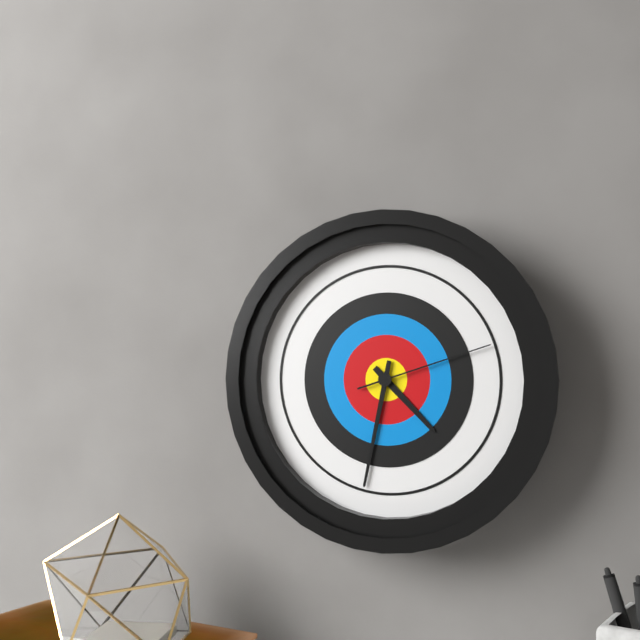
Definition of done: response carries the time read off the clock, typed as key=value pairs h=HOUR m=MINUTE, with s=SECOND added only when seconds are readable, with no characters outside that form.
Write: h=4 m=32 s=12
